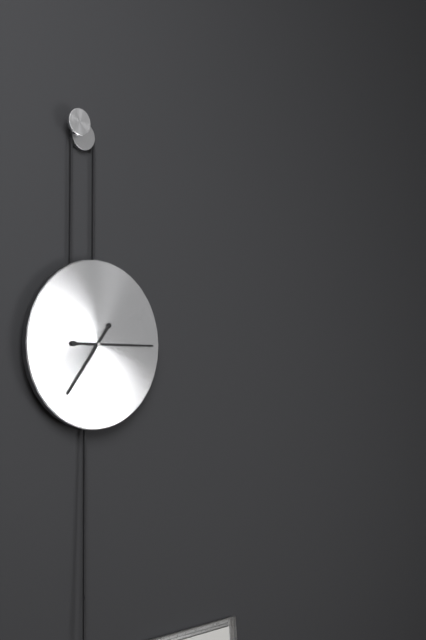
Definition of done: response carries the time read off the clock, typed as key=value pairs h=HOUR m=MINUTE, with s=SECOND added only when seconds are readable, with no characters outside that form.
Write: h=7 m=15
